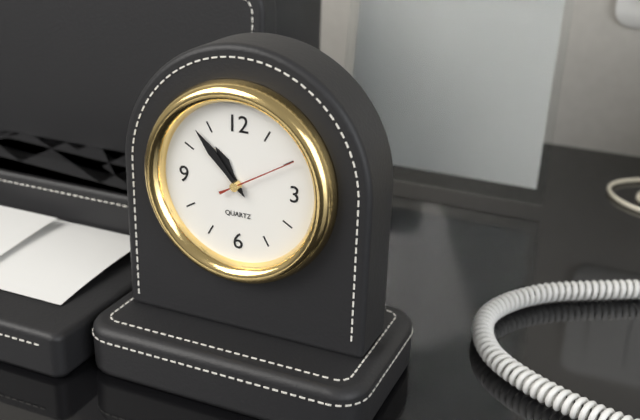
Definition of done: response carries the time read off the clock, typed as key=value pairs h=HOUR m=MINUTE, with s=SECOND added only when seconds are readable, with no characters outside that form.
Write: h=10 m=53 s=10
